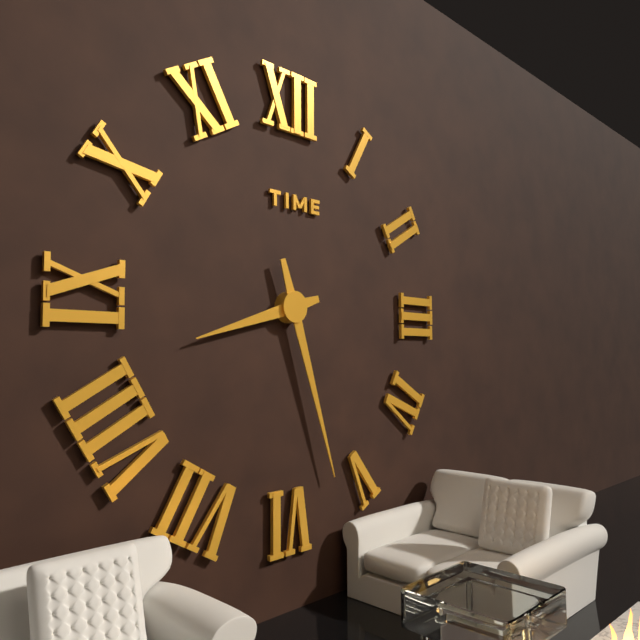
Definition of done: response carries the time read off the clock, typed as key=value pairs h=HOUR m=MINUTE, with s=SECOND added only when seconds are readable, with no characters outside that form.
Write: h=8 m=27
